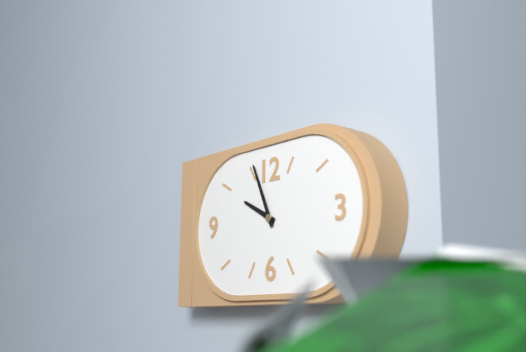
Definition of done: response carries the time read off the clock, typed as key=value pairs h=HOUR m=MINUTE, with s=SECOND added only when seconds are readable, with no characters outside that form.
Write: h=9 m=56
